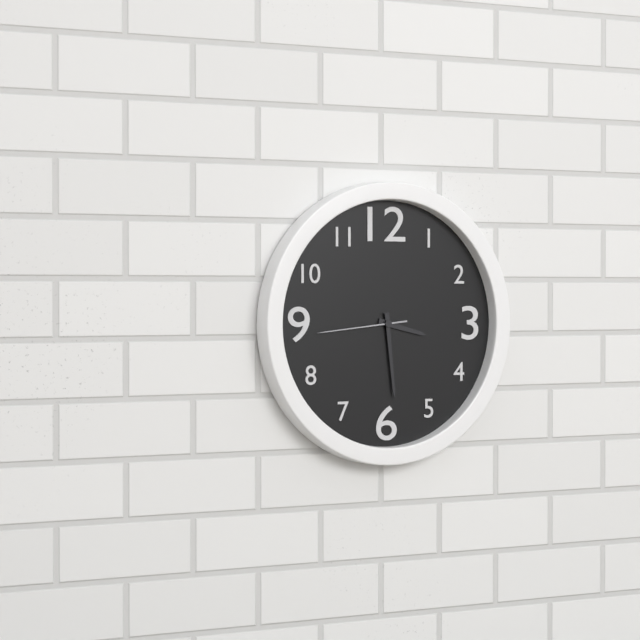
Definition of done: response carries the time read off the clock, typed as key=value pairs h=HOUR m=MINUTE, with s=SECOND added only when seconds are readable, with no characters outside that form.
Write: h=3 m=29 s=44
